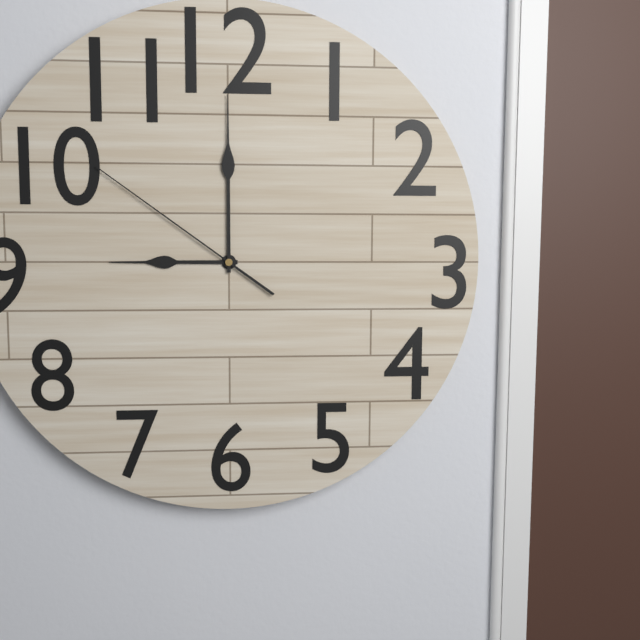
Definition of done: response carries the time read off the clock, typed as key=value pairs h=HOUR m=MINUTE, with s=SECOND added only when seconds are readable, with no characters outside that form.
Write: h=9 m=0 s=51
